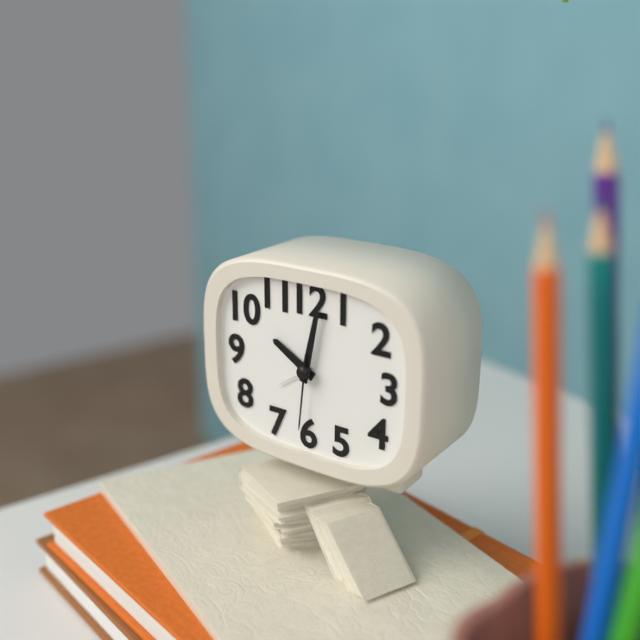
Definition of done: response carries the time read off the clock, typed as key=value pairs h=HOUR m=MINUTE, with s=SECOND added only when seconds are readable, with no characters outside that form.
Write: h=10 m=2 s=31
